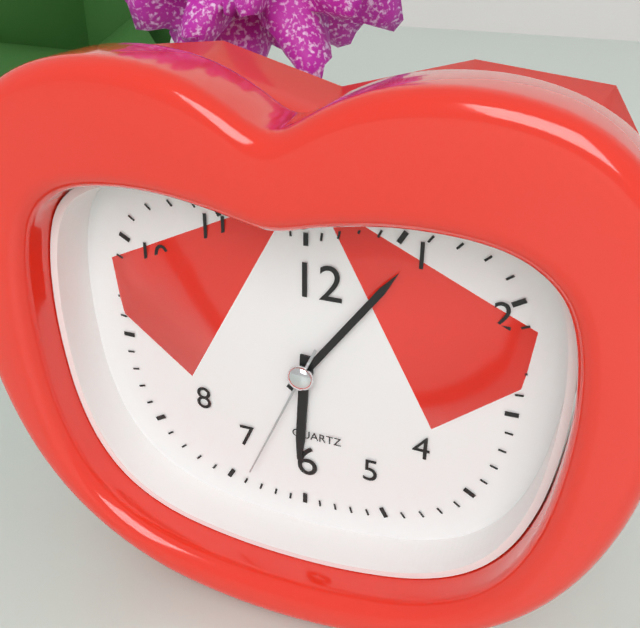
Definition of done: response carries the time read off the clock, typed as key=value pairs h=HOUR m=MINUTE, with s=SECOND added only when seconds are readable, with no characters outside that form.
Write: h=6 m=6 s=34
